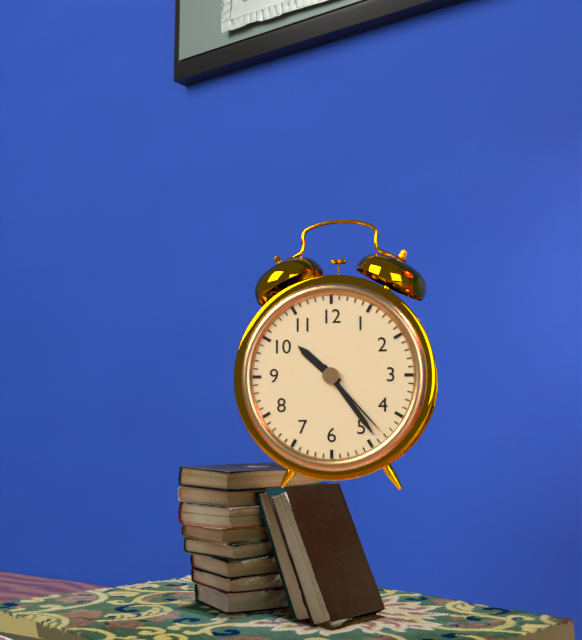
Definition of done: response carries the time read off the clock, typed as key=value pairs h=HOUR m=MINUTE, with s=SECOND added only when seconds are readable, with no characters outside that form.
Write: h=10 m=24 s=23
